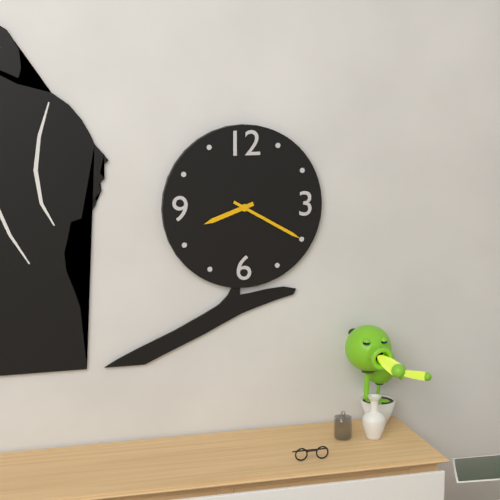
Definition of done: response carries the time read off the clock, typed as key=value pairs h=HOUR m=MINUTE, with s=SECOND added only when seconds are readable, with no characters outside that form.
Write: h=8 m=20
